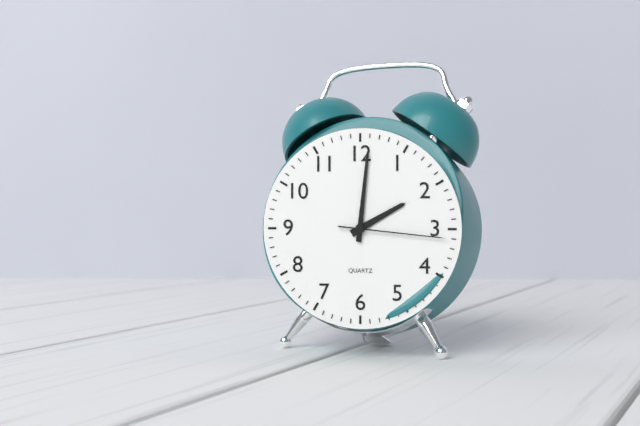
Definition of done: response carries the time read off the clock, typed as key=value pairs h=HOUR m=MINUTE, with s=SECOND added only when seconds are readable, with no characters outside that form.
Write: h=2 m=1 s=16
